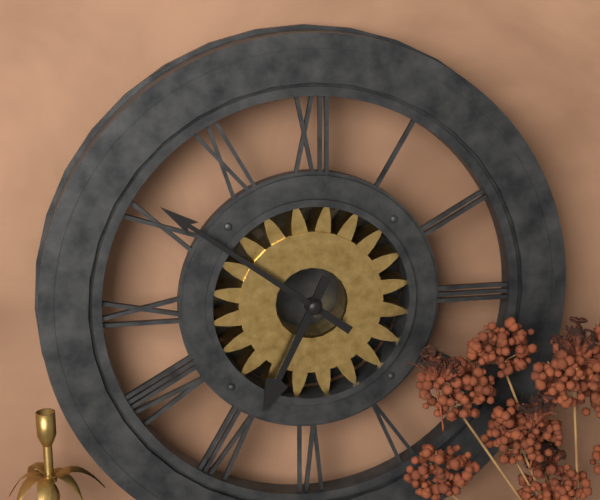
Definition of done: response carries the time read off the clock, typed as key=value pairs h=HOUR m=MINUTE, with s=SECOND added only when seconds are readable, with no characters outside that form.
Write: h=6 m=51
